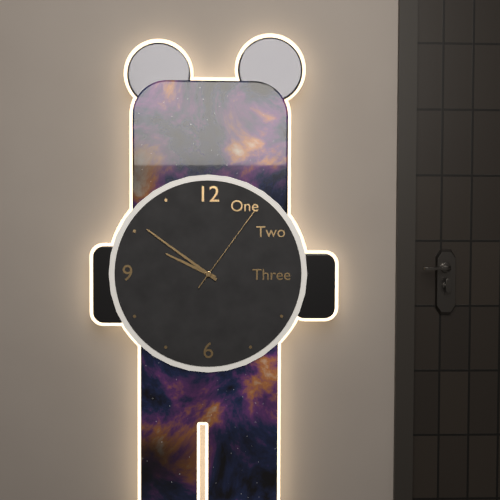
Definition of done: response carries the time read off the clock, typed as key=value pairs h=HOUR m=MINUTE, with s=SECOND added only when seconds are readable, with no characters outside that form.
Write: h=9 m=51 s=6
